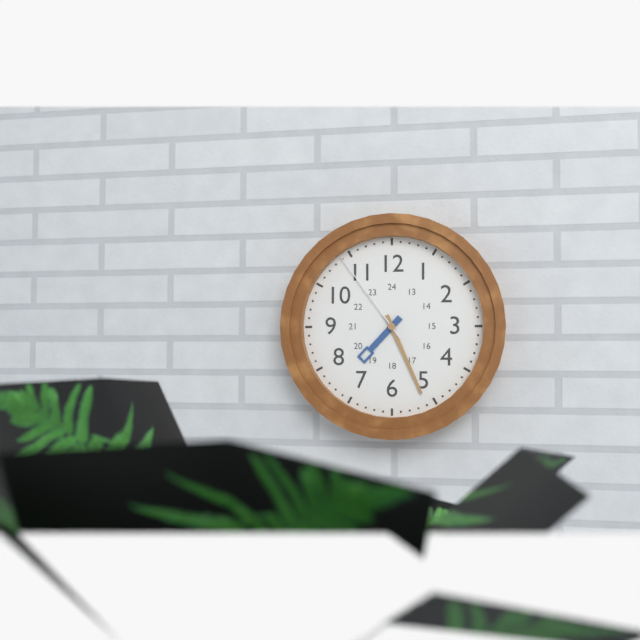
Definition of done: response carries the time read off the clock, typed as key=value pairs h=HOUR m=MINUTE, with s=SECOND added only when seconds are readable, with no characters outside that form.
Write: h=7 m=26 s=54
